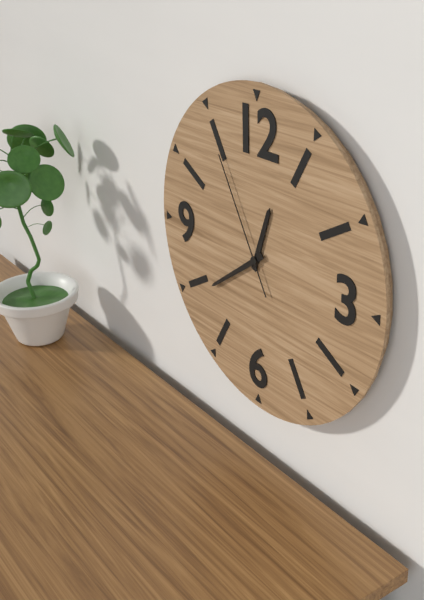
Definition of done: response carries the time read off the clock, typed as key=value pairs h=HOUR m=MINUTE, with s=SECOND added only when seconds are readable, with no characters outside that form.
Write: h=12 m=39 s=55
